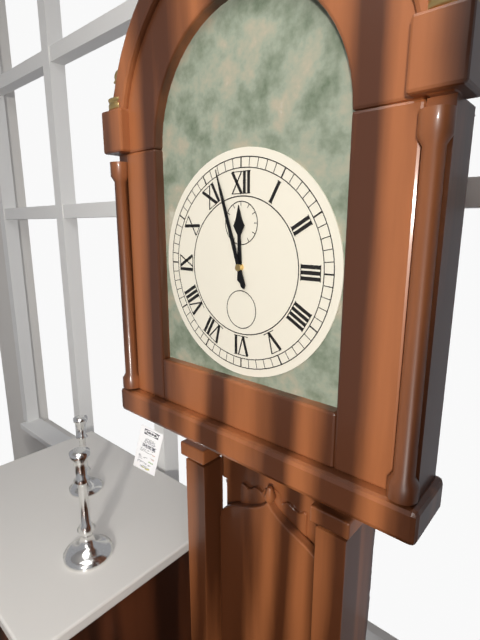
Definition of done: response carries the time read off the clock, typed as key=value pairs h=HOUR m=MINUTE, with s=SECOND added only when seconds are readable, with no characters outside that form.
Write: h=11 m=57
